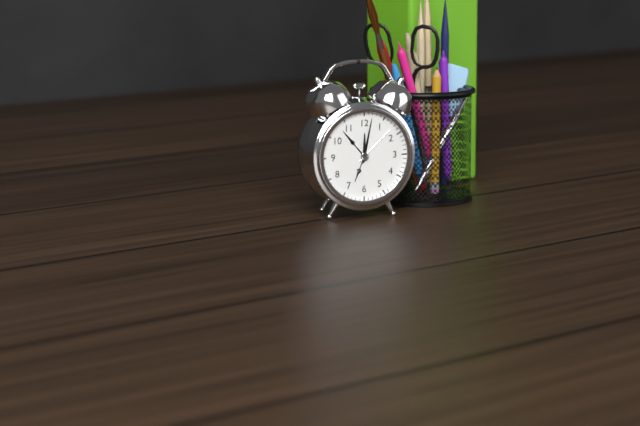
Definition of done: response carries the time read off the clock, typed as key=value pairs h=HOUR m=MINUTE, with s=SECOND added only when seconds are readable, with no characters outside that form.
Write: h=12 m=2
